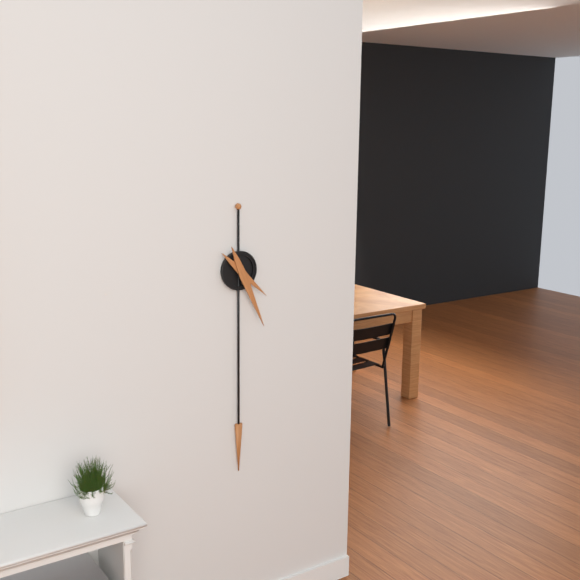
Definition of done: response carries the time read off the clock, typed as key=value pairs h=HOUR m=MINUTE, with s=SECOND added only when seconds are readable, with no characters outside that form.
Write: h=4 m=26
